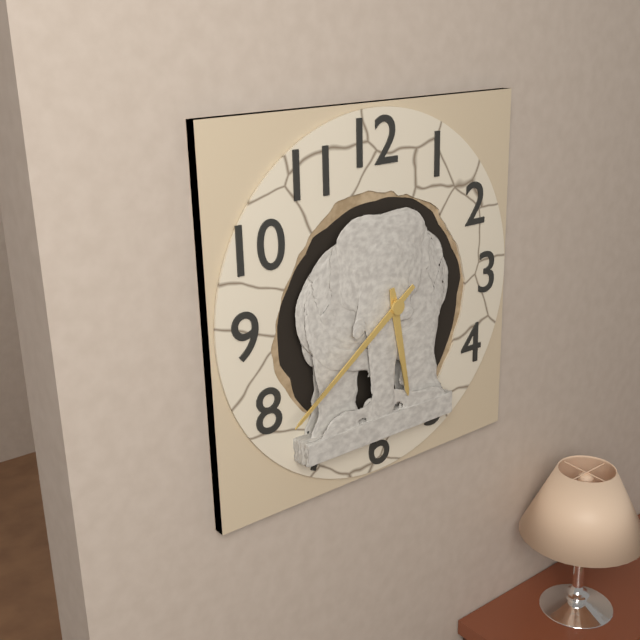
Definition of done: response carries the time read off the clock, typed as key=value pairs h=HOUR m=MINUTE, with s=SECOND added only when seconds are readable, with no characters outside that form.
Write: h=5 m=39
